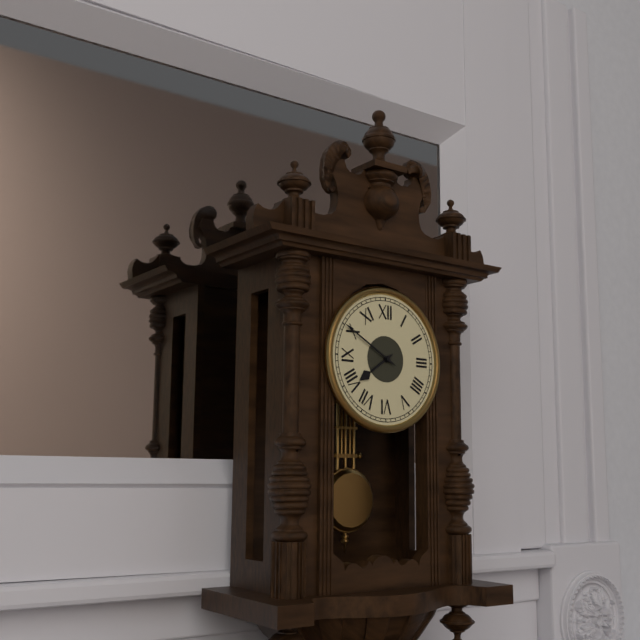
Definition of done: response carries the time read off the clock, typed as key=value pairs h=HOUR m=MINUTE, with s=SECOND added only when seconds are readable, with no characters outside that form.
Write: h=7 m=50
